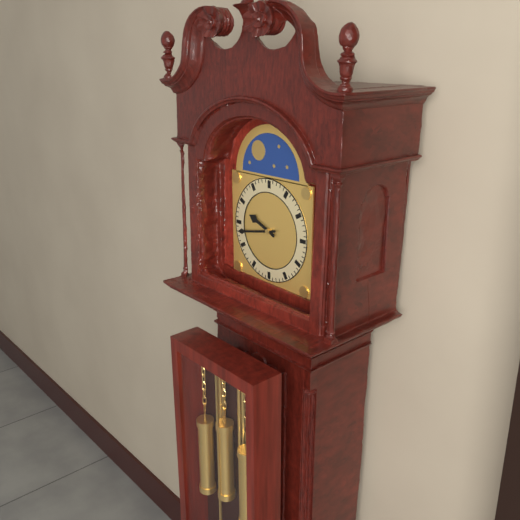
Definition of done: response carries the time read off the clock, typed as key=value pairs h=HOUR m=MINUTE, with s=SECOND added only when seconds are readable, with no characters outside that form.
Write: h=9 m=43
